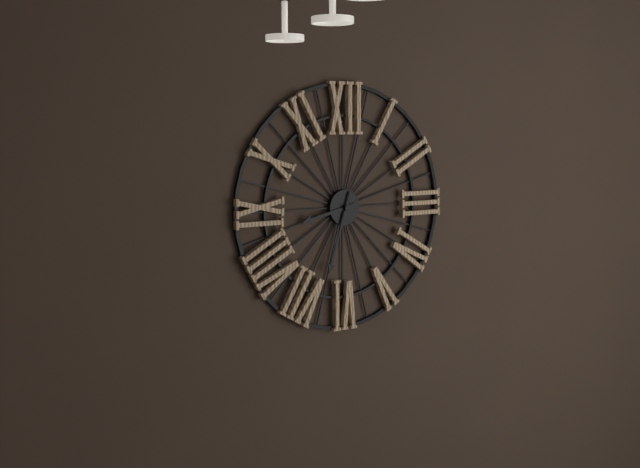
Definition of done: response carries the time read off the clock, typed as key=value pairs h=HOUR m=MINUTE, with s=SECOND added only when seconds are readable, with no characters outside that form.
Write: h=8 m=33
